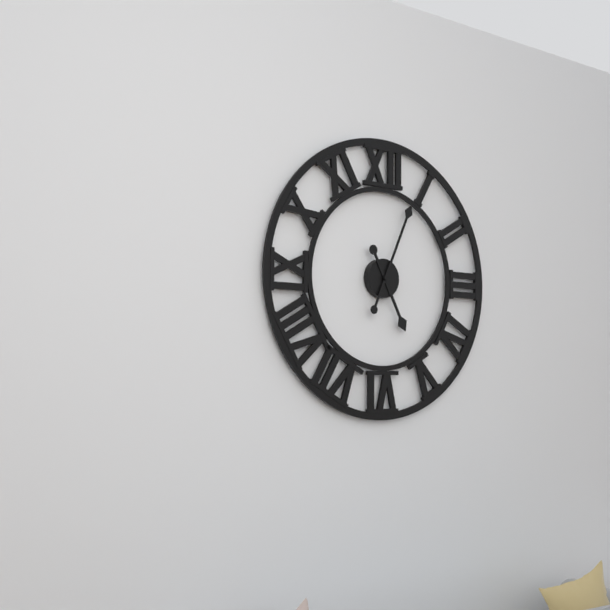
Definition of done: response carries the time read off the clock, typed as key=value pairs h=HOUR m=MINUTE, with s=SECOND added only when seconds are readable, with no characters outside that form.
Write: h=5 m=4
